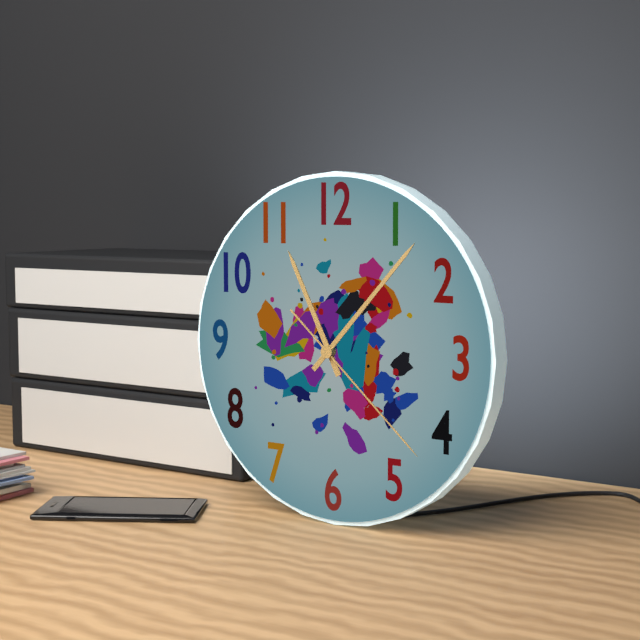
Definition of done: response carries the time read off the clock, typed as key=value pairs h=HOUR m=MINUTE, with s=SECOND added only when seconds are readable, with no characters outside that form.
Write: h=11 m=7 s=22
